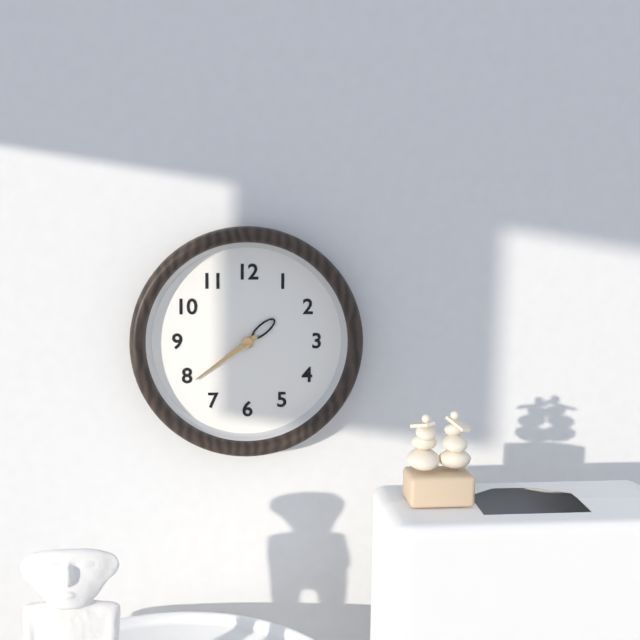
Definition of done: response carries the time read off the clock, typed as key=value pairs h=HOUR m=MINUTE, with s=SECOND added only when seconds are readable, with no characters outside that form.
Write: h=1 m=39
